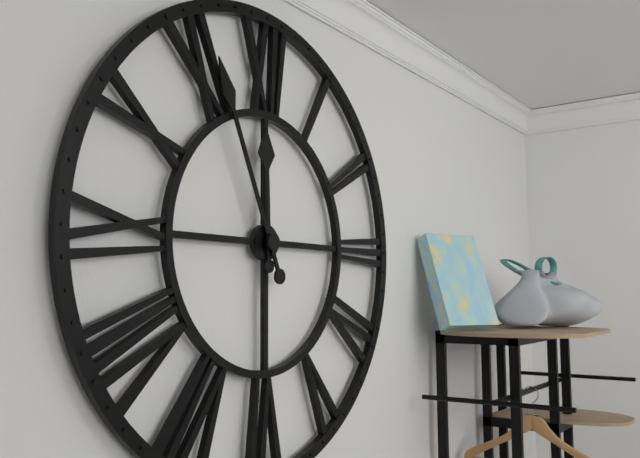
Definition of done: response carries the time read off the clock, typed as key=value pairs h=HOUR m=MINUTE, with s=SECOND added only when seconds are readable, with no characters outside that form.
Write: h=11 m=56
